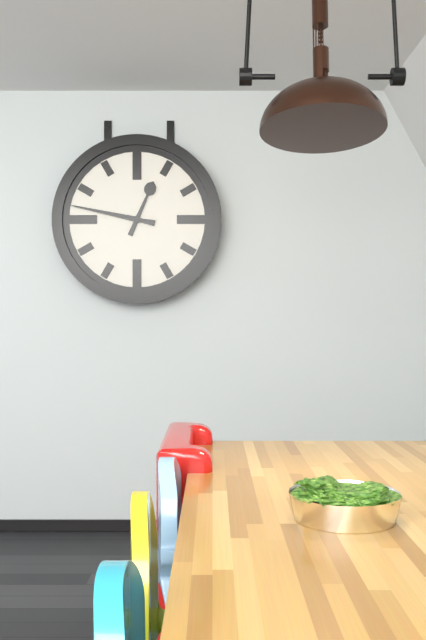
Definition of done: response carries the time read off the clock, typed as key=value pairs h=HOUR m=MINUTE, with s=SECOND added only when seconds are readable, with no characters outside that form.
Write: h=12 m=47
